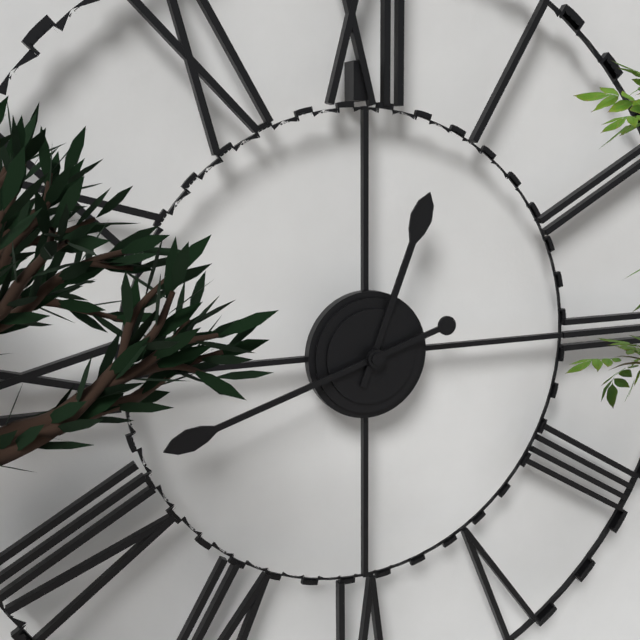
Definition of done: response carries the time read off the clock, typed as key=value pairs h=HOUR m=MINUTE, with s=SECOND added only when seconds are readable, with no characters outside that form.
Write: h=12 m=42
